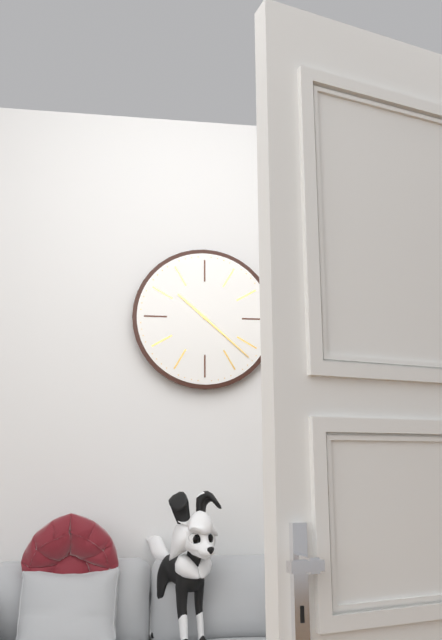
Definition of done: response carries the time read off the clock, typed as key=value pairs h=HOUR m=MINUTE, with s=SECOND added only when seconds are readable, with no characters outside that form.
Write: h=10 m=22
